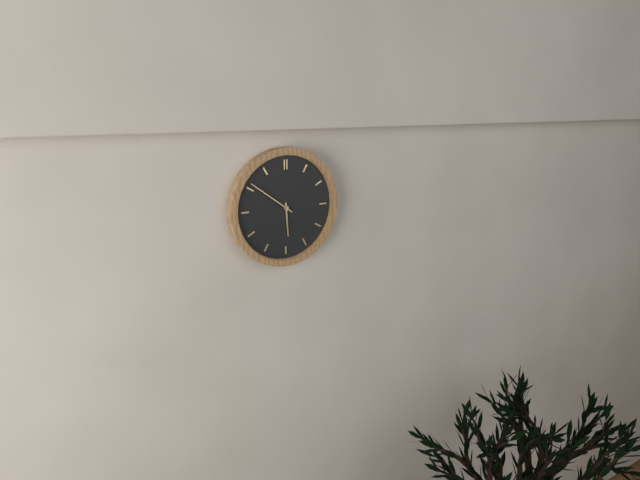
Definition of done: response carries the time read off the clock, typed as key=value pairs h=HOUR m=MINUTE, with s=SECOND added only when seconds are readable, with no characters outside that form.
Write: h=5 m=51
